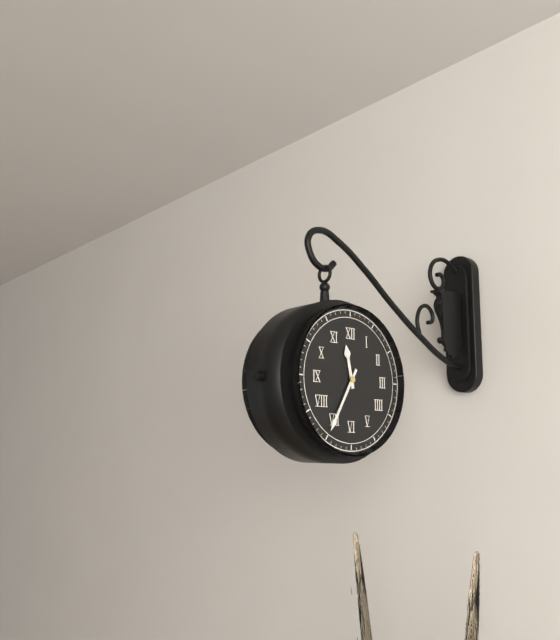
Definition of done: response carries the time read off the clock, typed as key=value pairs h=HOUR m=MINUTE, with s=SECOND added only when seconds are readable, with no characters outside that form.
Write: h=11 m=35
